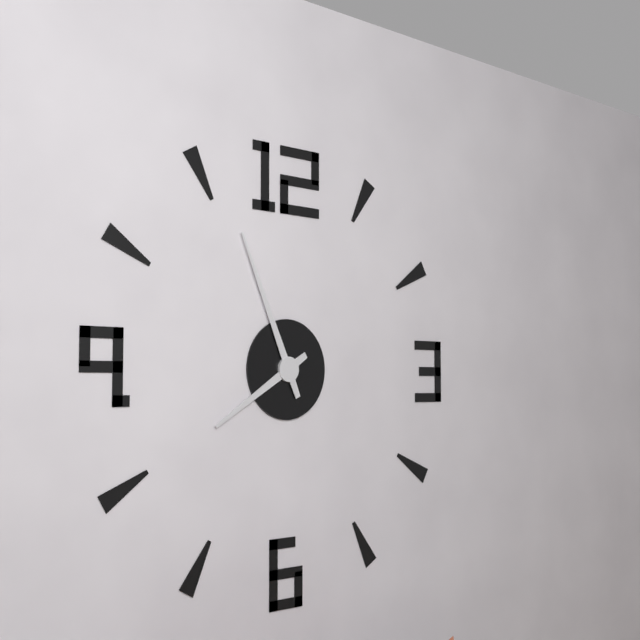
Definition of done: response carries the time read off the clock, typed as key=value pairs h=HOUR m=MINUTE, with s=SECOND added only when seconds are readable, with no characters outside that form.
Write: h=7 m=56
